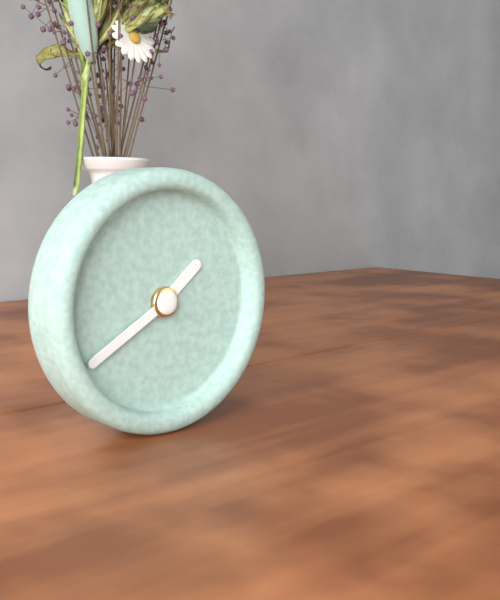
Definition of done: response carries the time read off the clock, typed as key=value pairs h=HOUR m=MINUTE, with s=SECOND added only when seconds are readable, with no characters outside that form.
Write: h=1 m=40
